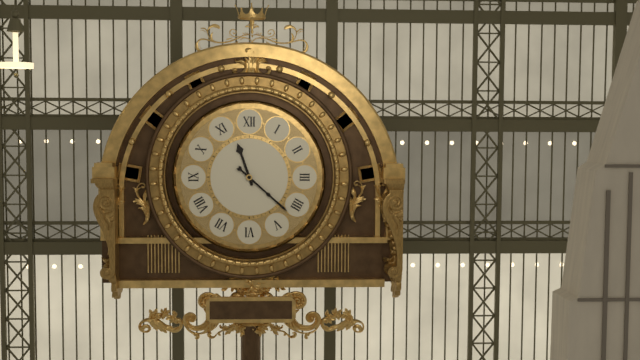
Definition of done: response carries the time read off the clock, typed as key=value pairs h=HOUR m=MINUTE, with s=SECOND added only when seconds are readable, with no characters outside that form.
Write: h=11 m=22
